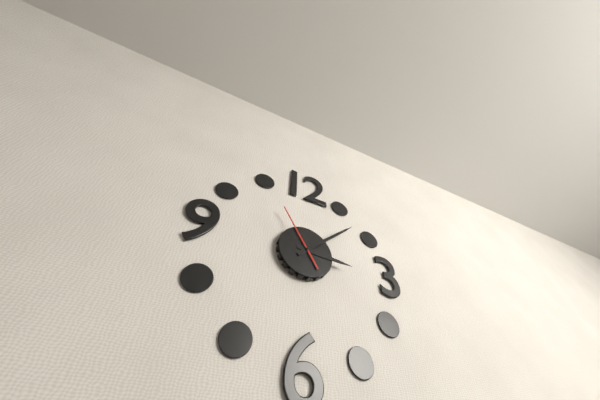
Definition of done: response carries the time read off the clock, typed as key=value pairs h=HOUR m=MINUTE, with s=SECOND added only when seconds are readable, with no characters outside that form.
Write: h=3 m=8 s=55
